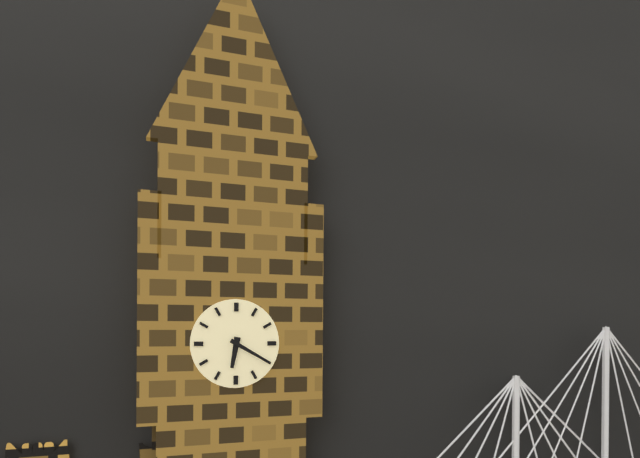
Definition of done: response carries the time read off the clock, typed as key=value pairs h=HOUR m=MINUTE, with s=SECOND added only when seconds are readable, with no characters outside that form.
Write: h=6 m=20
